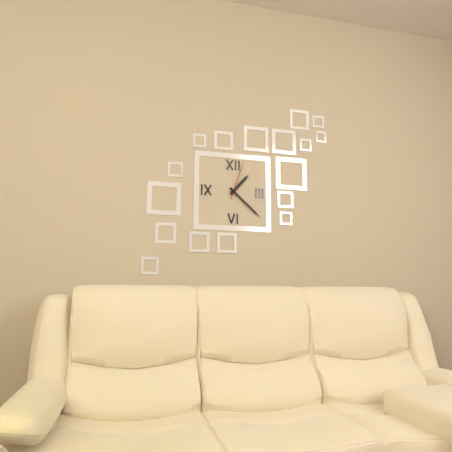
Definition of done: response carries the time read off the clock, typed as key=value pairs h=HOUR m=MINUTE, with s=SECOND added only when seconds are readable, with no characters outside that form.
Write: h=1 m=22
